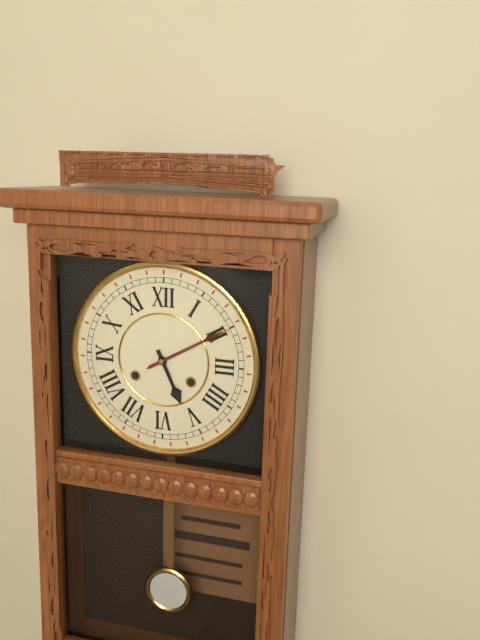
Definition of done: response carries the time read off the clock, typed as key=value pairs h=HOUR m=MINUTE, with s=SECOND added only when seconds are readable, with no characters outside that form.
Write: h=5 m=10 s=10
